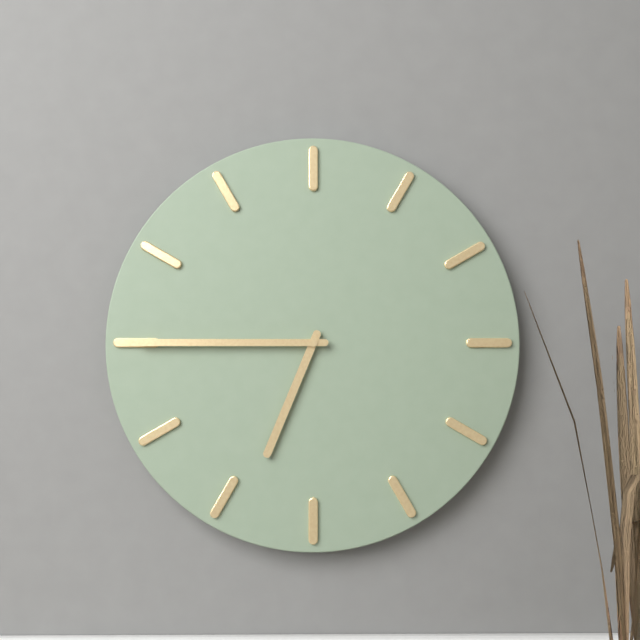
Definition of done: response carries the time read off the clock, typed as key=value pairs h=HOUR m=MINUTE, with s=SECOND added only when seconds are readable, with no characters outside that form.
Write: h=6 m=45
